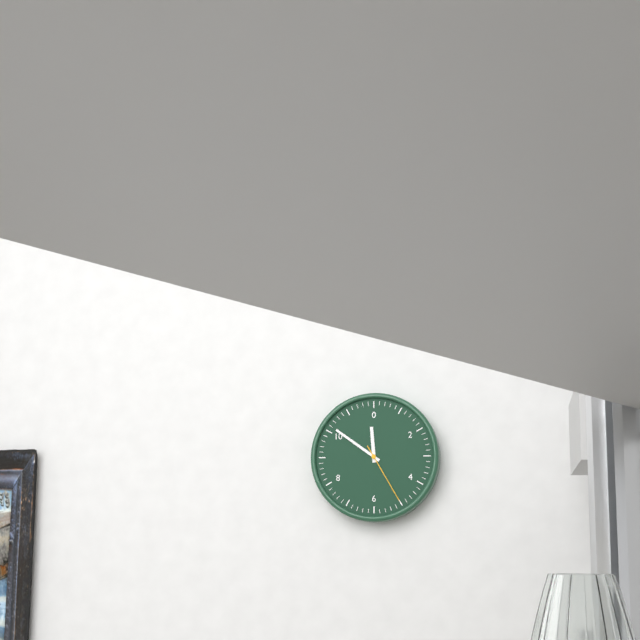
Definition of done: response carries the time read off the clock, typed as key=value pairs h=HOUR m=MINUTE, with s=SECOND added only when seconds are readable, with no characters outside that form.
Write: h=11 m=51 s=25
